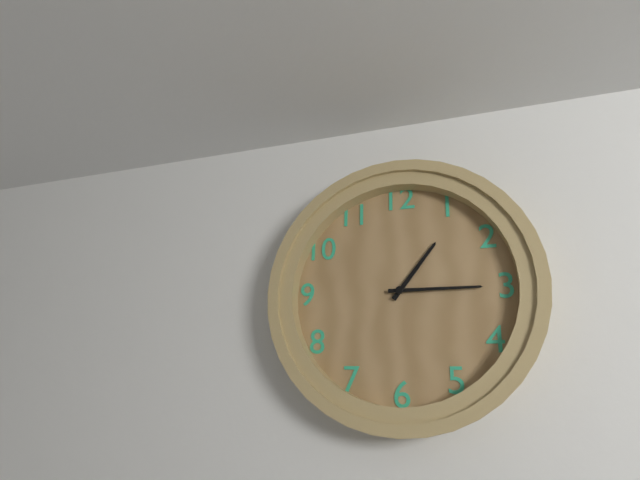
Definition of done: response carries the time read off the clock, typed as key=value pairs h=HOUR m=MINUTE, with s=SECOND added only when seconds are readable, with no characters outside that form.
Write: h=1 m=15
